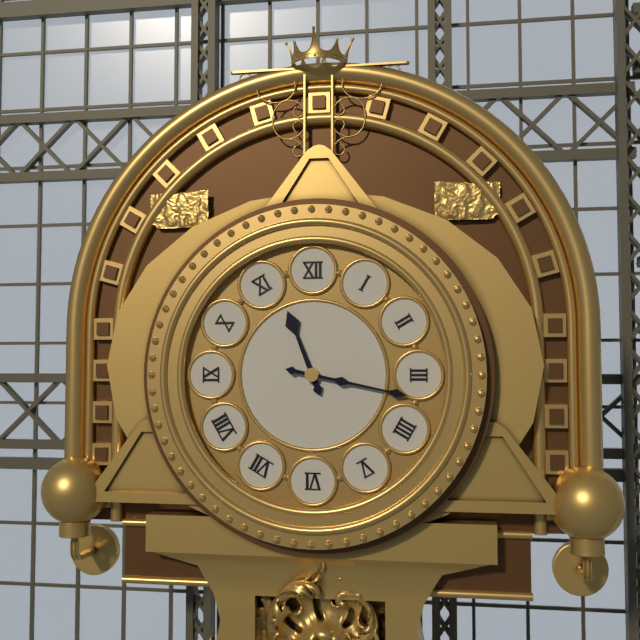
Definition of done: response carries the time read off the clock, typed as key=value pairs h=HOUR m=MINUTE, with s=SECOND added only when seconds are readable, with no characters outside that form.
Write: h=11 m=17
